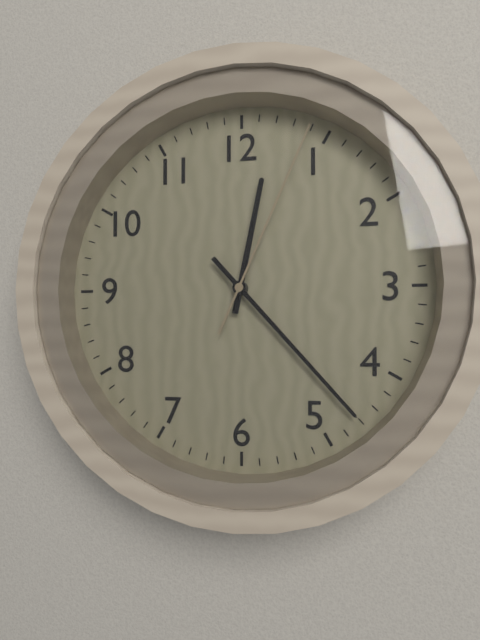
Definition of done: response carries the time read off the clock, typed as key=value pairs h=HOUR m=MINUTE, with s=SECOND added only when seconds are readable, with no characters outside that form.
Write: h=12 m=23 s=4
